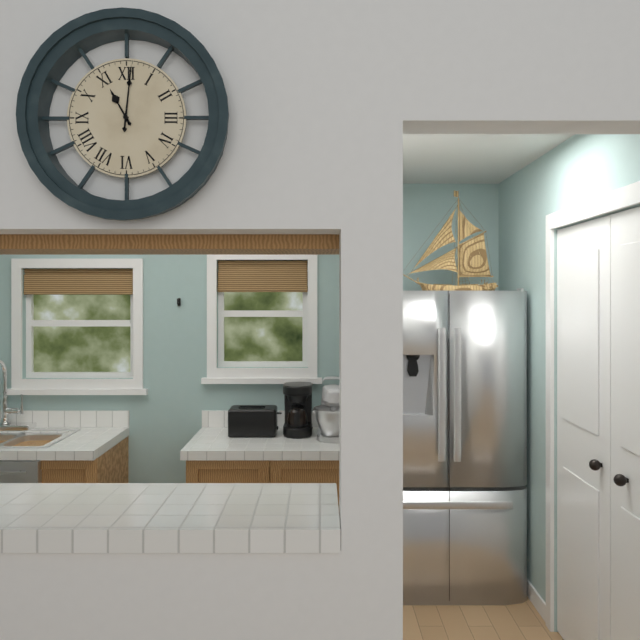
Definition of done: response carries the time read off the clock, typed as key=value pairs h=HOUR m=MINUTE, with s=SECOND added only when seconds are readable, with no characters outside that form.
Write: h=11 m=1
